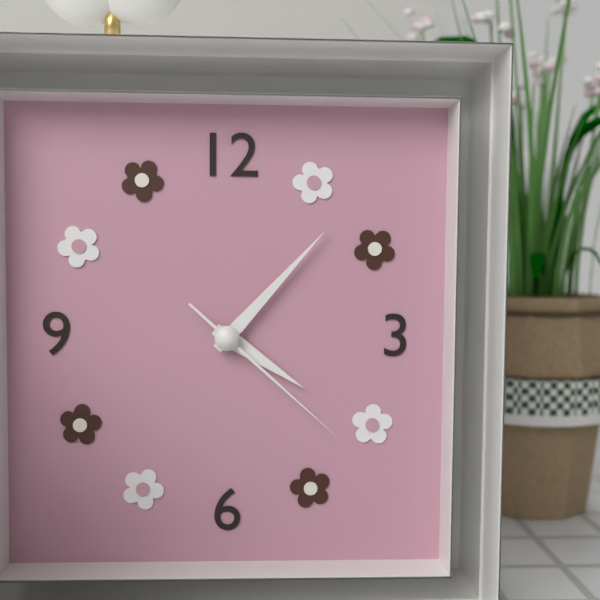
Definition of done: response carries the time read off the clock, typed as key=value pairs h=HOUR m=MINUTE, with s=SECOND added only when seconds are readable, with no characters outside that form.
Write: h=4 m=7 s=22
